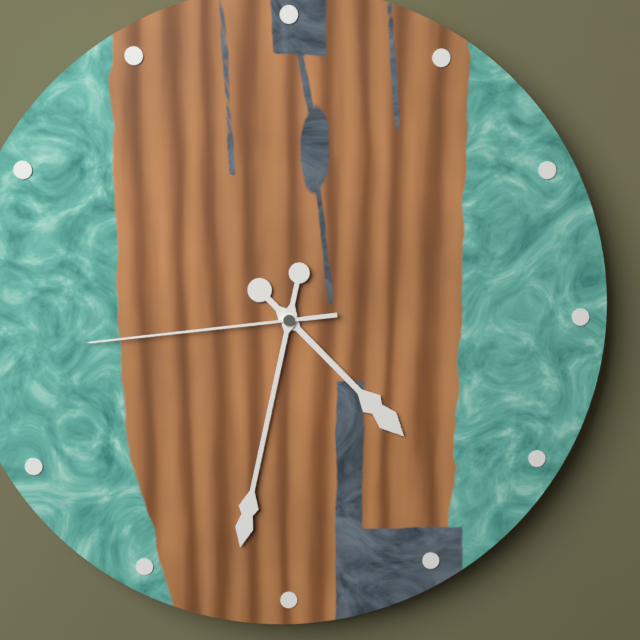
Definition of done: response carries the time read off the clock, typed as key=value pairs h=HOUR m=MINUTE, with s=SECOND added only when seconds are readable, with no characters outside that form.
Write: h=4 m=32 s=44
